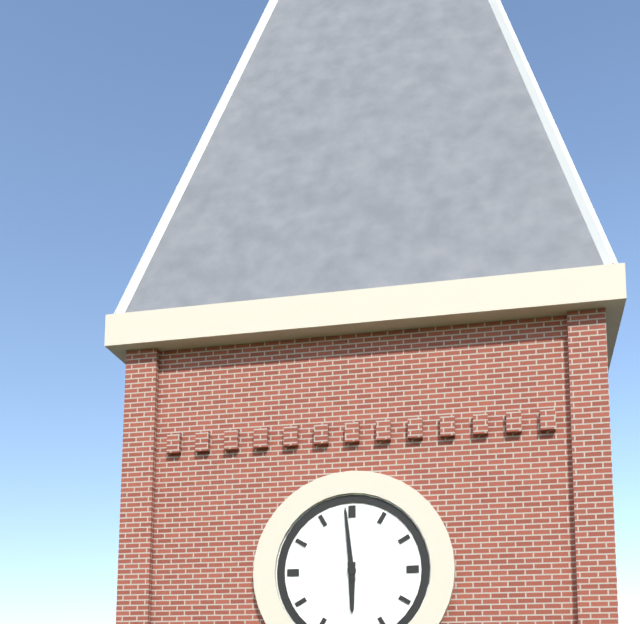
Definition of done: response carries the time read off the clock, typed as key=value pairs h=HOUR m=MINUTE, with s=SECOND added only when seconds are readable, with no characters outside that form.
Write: h=5 m=59
